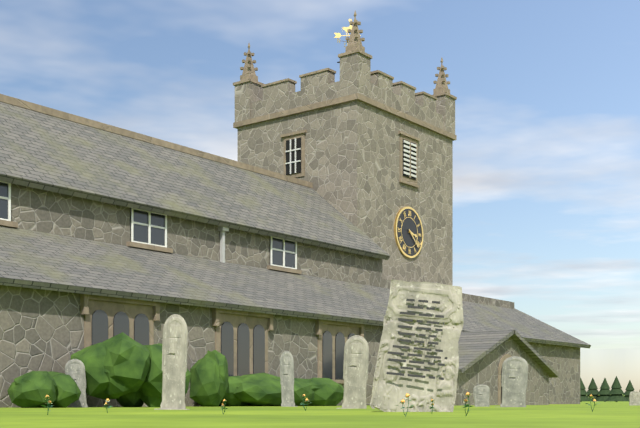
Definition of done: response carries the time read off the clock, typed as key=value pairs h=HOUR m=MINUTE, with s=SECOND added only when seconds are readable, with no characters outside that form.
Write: h=3 m=22
